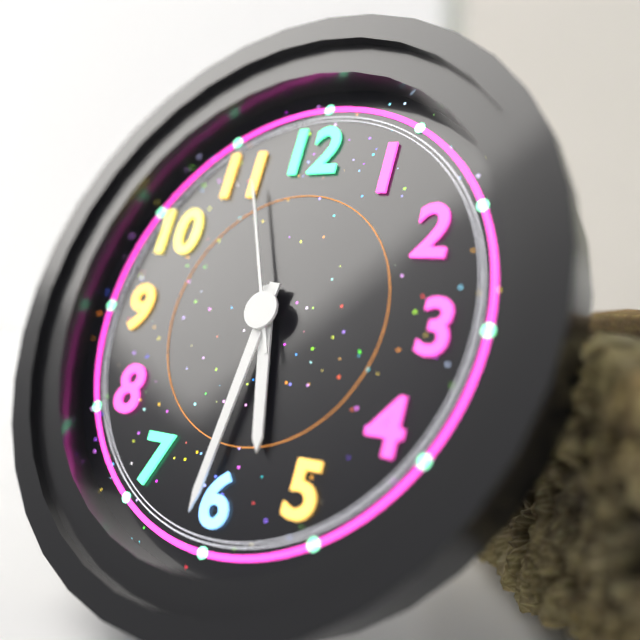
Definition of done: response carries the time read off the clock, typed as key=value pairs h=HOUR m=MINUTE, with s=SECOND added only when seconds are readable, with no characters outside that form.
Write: h=5 m=31 s=56
